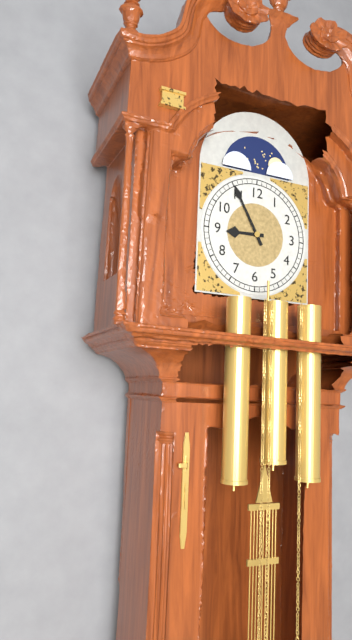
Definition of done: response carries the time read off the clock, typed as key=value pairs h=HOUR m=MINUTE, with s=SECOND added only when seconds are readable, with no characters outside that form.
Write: h=8 m=55
